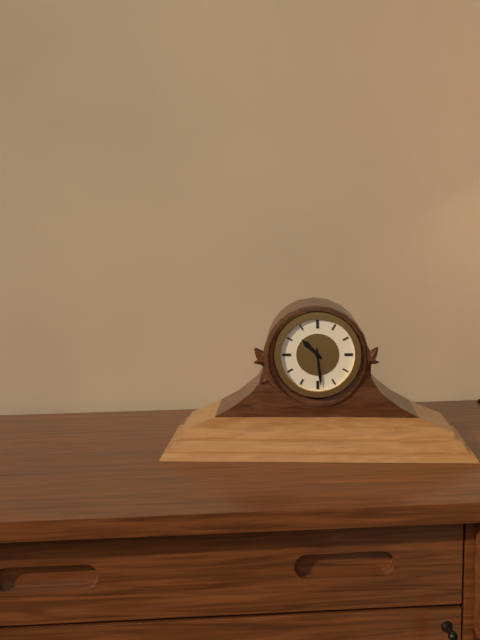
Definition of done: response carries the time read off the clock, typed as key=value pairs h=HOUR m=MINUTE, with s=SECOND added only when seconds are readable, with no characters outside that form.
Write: h=10 m=29
